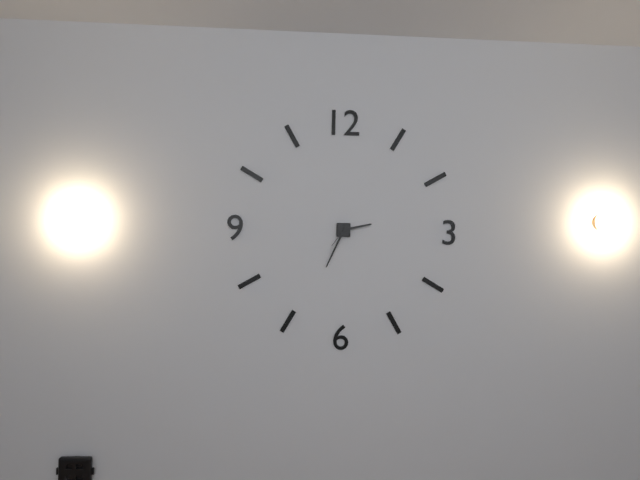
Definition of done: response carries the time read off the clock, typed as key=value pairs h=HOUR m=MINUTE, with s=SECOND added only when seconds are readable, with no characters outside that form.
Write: h=2 m=34
